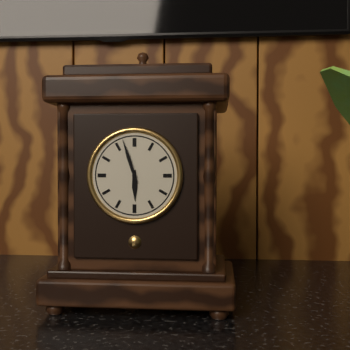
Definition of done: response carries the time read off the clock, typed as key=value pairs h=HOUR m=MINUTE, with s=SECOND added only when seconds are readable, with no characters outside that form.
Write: h=5 m=57
